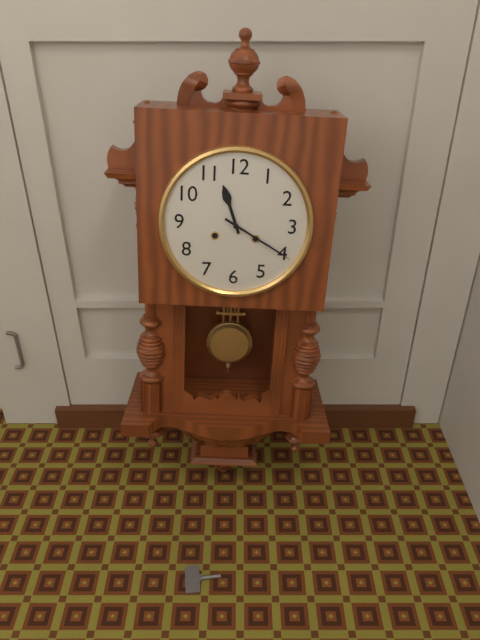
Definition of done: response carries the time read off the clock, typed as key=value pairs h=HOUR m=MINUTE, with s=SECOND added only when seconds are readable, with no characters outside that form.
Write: h=11 m=20
